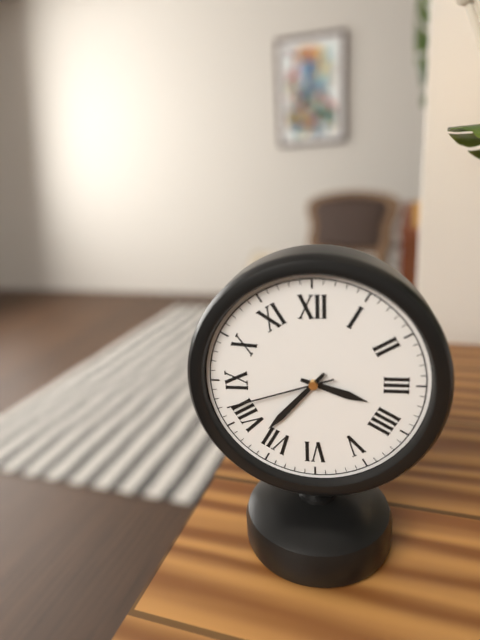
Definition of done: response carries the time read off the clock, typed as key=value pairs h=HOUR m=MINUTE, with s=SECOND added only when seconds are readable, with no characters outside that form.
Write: h=3 m=37 s=42
